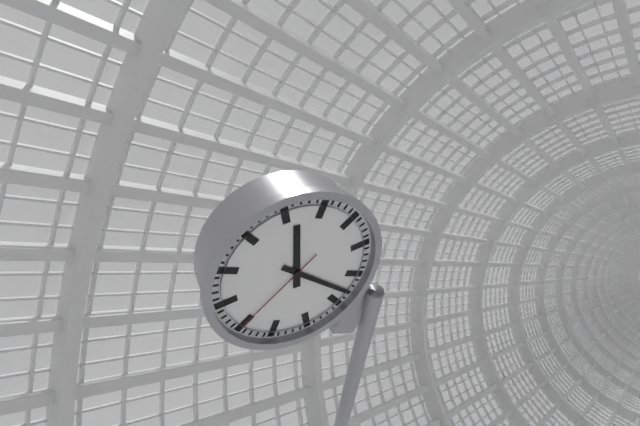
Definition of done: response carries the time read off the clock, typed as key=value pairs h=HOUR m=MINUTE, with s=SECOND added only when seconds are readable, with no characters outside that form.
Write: h=11 m=18 s=35
